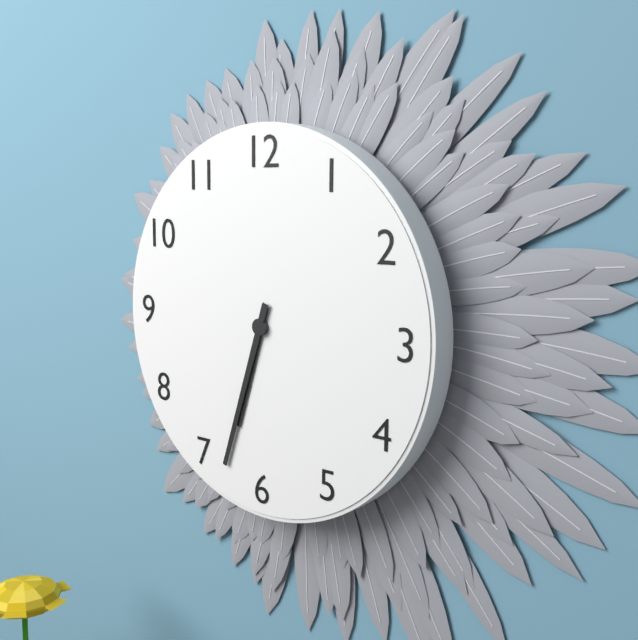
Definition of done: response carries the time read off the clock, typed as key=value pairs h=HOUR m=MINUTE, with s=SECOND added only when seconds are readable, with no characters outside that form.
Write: h=6 m=33
